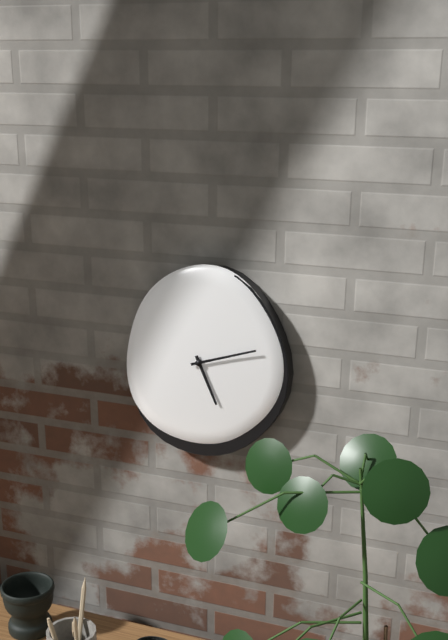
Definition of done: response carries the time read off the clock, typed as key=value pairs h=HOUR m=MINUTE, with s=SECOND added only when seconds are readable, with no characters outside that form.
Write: h=5 m=12
